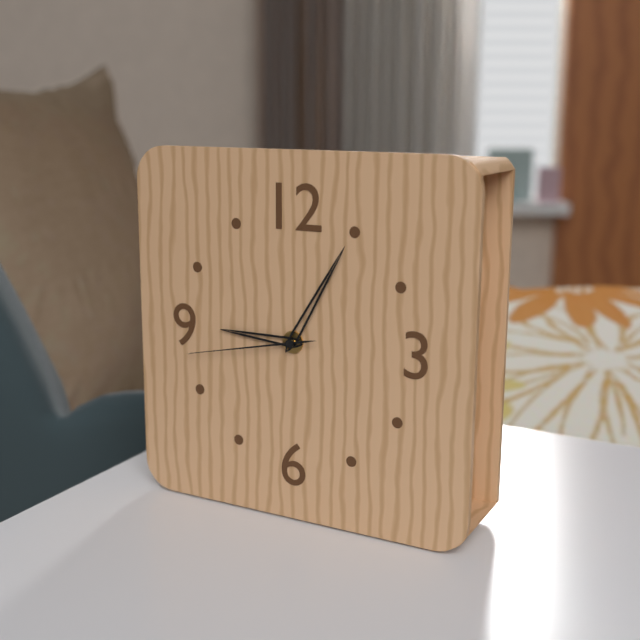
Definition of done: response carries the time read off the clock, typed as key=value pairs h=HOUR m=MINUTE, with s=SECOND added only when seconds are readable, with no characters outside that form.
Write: h=9 m=5 s=43
